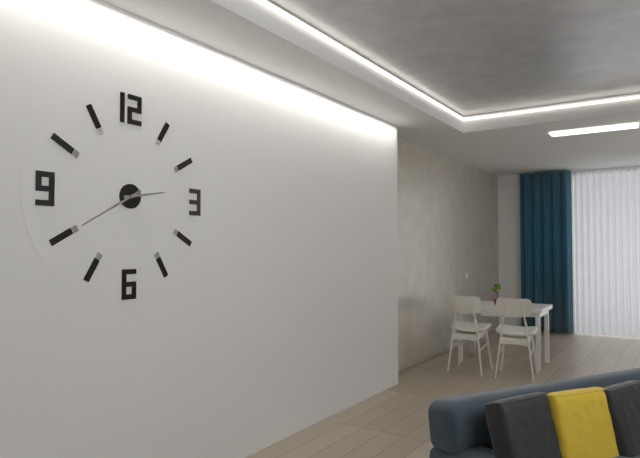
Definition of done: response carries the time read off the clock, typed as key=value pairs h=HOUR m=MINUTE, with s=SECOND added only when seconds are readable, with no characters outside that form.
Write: h=2 m=40
